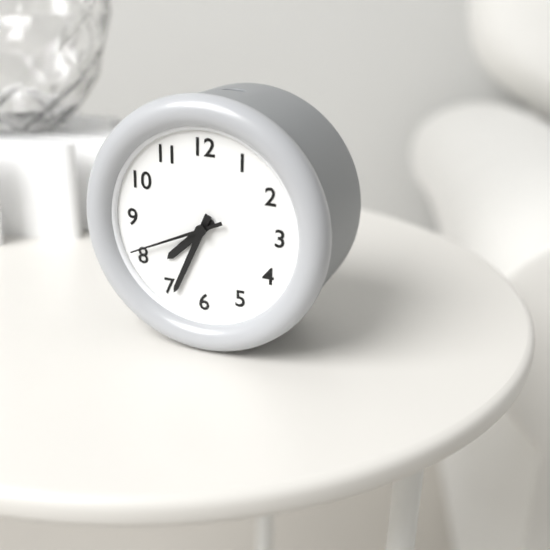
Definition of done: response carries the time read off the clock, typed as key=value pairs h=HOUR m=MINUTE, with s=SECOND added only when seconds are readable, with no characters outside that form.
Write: h=7 m=34 s=41
